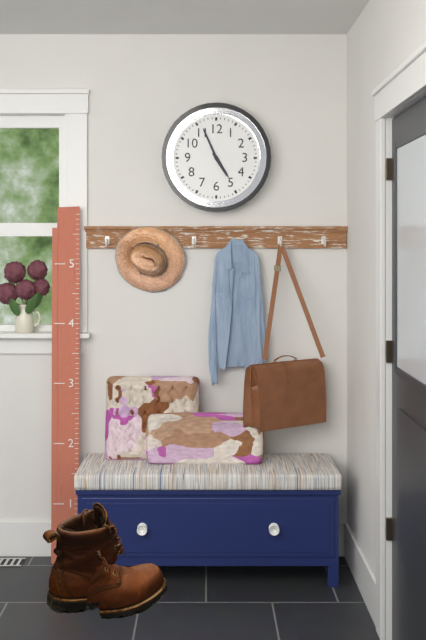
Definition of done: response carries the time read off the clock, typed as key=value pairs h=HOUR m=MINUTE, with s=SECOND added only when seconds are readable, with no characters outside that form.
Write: h=4 m=56
